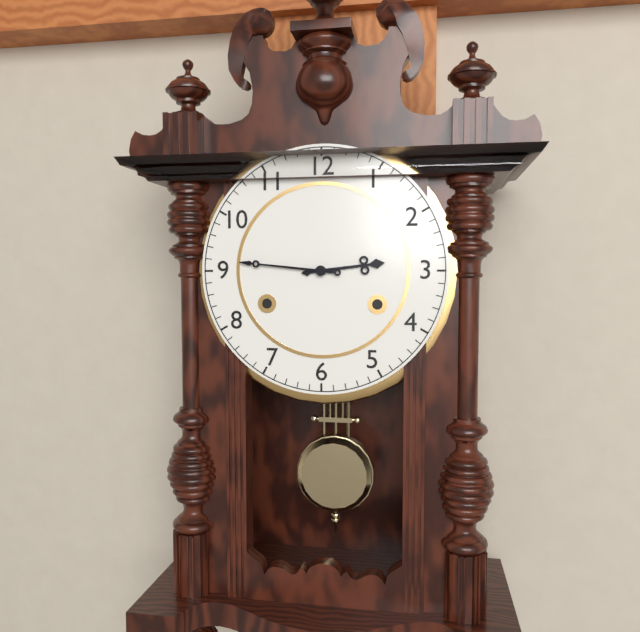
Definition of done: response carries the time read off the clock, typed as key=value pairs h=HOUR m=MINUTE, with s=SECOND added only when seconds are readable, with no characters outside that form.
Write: h=2 m=46
